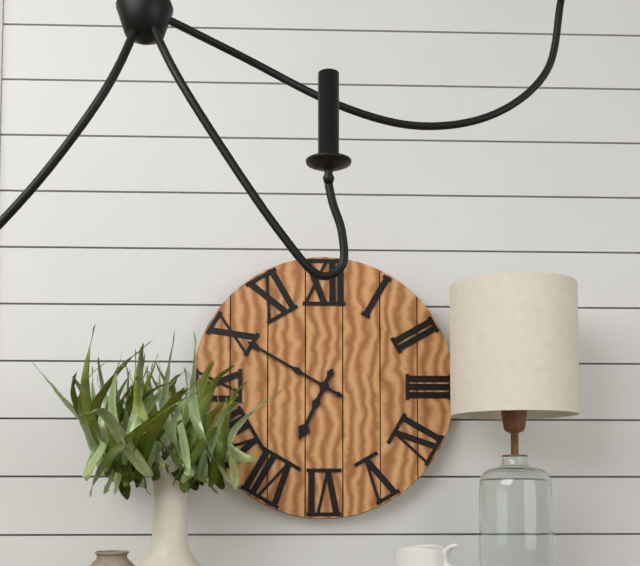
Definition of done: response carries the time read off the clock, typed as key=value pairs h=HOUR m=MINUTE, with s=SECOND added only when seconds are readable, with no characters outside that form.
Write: h=6 m=50
